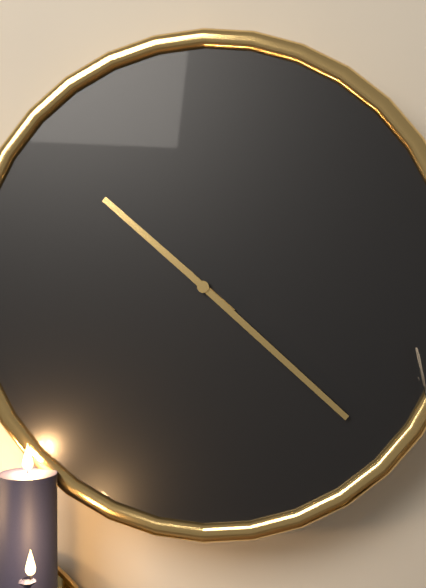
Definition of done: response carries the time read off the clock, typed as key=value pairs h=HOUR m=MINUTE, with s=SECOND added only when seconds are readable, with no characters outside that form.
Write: h=10 m=22
